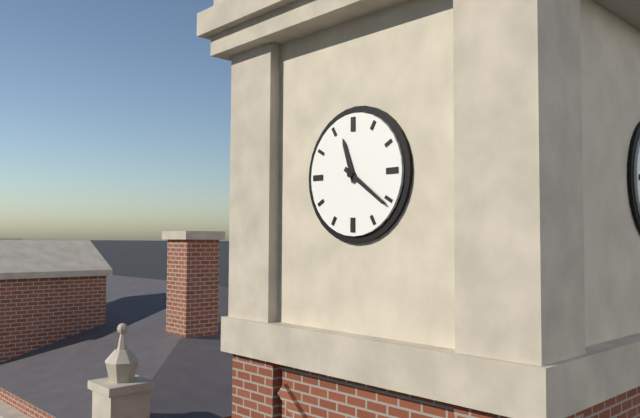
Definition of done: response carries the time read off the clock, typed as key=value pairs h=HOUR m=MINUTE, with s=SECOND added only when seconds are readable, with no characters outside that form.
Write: h=11 m=21
